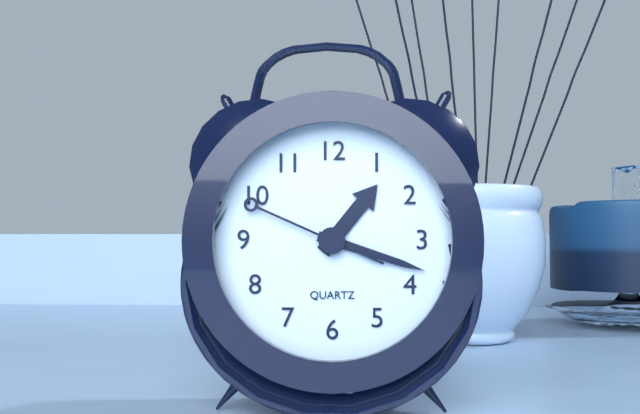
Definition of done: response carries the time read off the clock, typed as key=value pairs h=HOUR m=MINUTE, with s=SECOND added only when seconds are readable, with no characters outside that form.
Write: h=1 m=18 s=49
